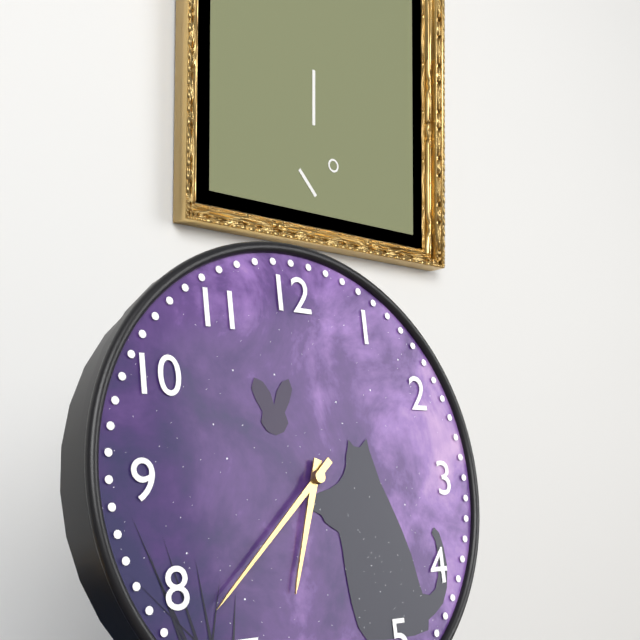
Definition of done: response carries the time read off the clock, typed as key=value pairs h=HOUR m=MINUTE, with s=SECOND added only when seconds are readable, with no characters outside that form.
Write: h=6 m=38
